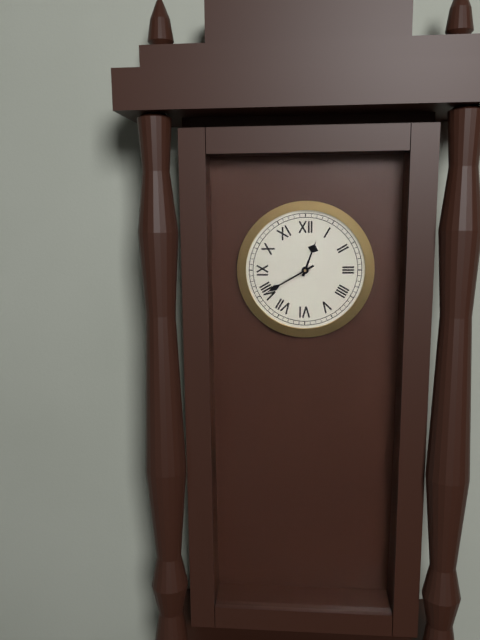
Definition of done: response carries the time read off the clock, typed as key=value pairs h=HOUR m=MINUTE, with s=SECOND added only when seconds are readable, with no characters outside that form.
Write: h=12 m=40
